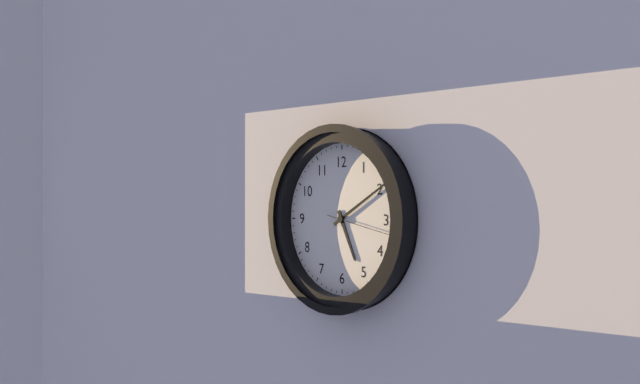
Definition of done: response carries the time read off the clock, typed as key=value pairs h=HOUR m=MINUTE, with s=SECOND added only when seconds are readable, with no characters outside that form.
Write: h=5 m=10 s=17
